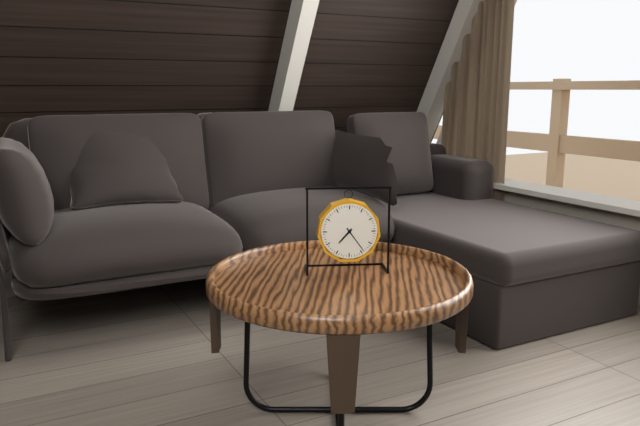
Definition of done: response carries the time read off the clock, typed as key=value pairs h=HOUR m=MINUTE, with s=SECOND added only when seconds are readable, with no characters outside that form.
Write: h=7 m=24
